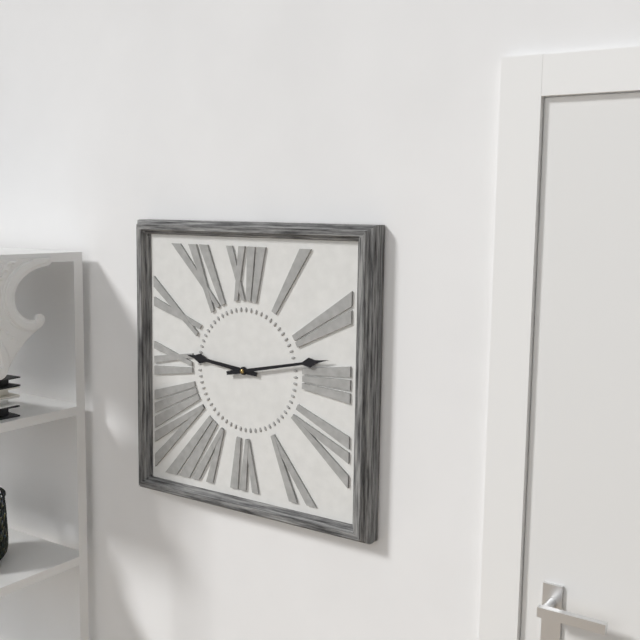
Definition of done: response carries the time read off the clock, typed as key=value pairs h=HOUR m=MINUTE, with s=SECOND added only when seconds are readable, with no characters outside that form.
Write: h=9 m=13
